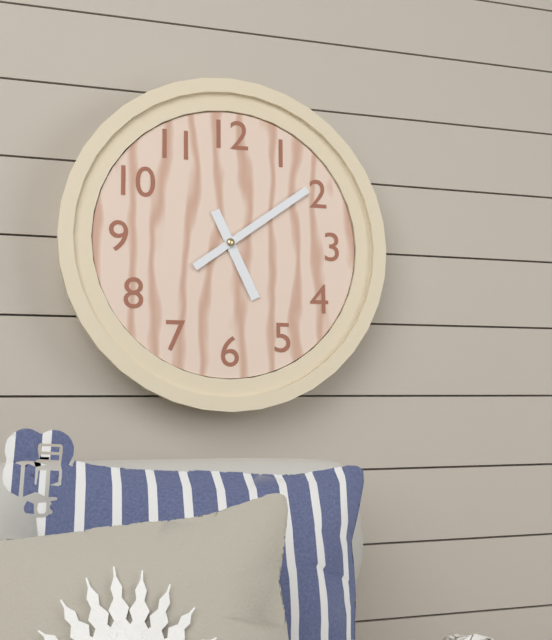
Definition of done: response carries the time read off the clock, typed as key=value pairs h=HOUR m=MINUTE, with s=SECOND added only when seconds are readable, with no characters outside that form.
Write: h=5 m=9
